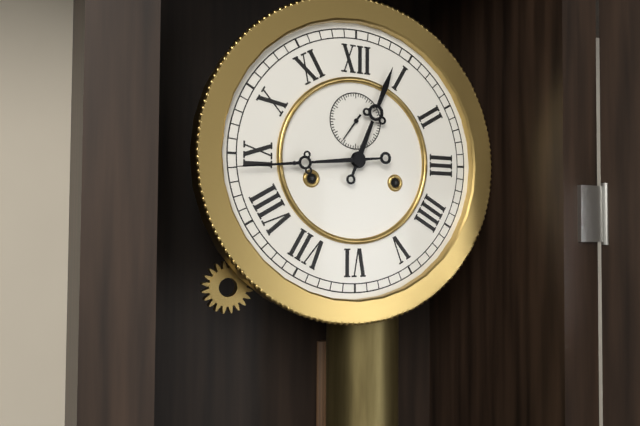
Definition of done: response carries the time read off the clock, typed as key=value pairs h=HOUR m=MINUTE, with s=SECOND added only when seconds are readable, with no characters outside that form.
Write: h=12 m=44
